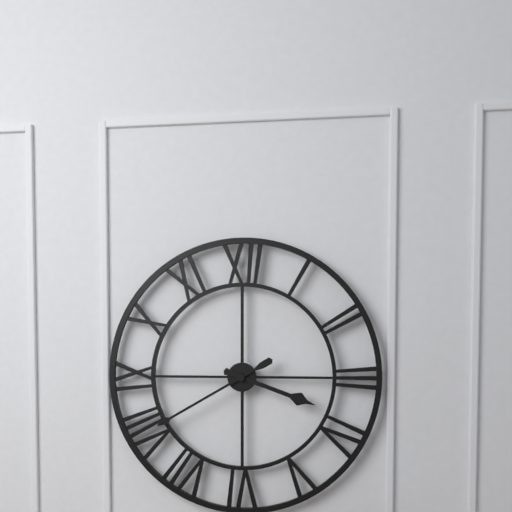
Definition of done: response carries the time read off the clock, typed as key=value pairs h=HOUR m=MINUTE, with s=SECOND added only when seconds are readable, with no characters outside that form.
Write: h=3 m=40
